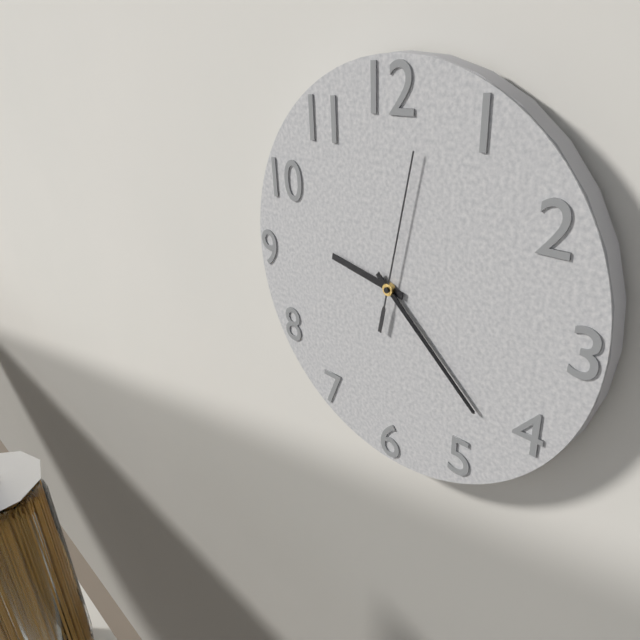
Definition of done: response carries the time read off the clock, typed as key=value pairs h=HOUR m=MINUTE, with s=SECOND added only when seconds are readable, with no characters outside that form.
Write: h=9 m=22 s=2
